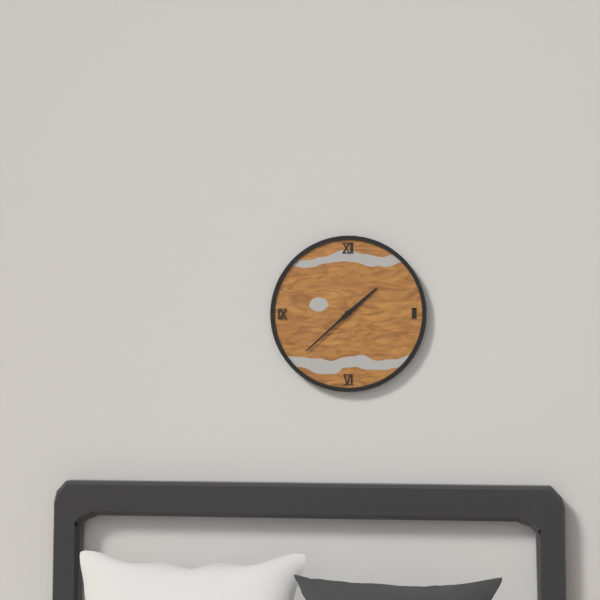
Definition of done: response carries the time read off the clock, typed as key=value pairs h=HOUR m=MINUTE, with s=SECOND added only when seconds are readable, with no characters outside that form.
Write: h=1 m=38
